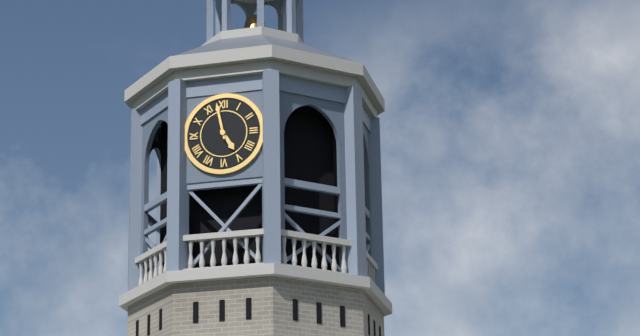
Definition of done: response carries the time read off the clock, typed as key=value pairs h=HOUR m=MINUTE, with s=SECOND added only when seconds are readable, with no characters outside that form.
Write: h=4 m=58
